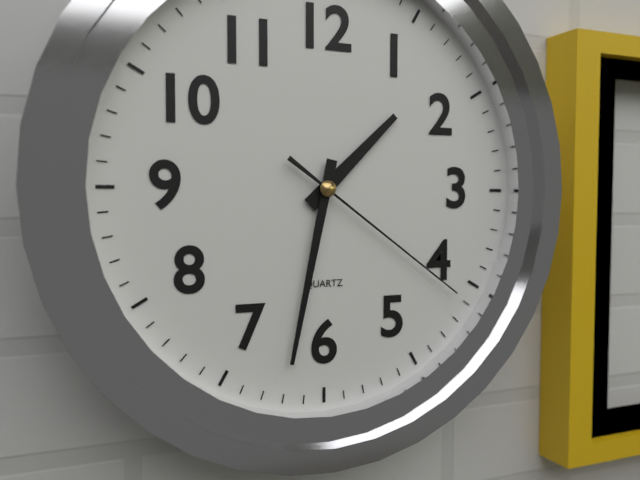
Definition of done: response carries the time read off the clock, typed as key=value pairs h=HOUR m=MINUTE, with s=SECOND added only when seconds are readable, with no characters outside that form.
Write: h=1 m=32 s=21
